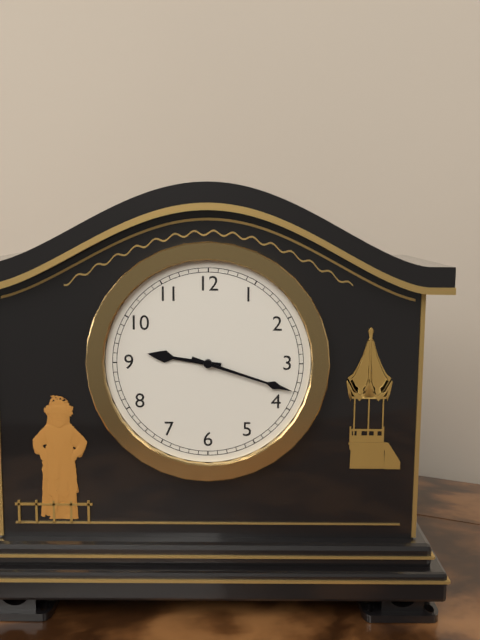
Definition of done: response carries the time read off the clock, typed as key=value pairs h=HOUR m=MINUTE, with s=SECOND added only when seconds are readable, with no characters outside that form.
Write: h=9 m=18
